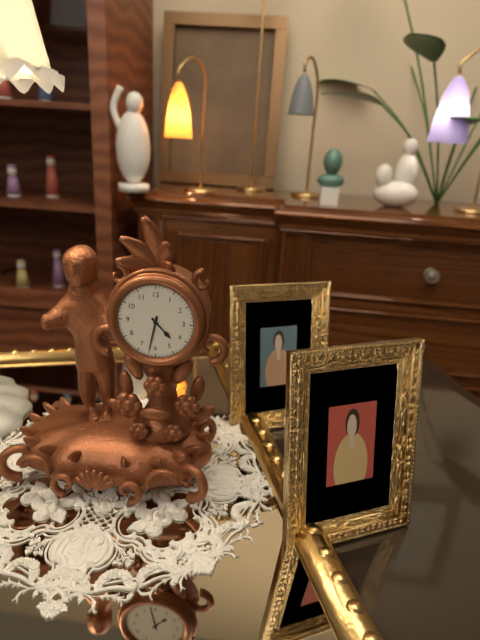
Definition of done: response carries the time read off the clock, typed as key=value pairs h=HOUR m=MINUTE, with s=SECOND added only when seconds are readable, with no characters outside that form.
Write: h=4 m=32
